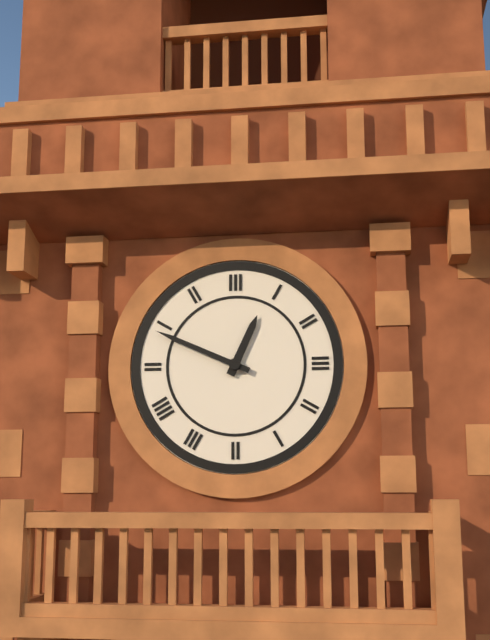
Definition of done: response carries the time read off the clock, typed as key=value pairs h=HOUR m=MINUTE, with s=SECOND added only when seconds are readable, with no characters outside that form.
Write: h=12 m=49
